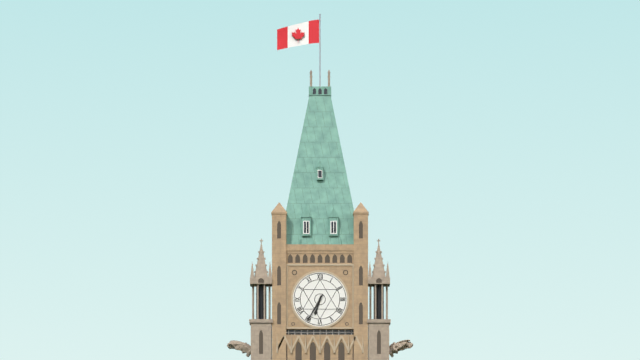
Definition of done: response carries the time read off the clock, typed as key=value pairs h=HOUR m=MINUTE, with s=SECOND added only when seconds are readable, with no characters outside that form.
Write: h=6 m=35
